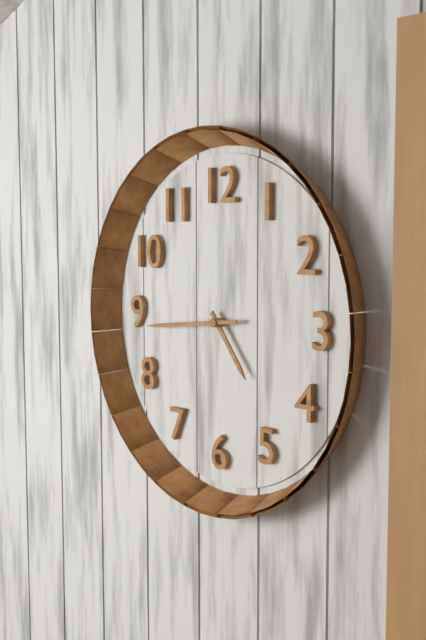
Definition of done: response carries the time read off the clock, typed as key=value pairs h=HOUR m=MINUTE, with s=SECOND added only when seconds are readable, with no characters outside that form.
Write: h=4 m=44
